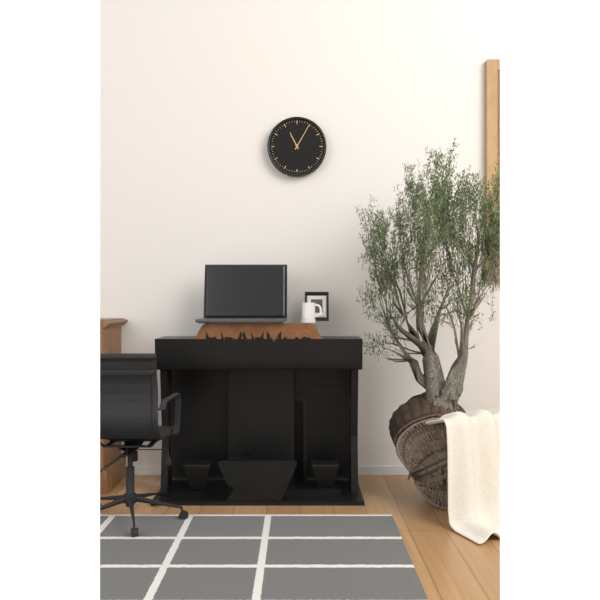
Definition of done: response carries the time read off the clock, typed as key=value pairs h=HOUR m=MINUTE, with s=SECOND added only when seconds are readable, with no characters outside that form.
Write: h=11 m=5
